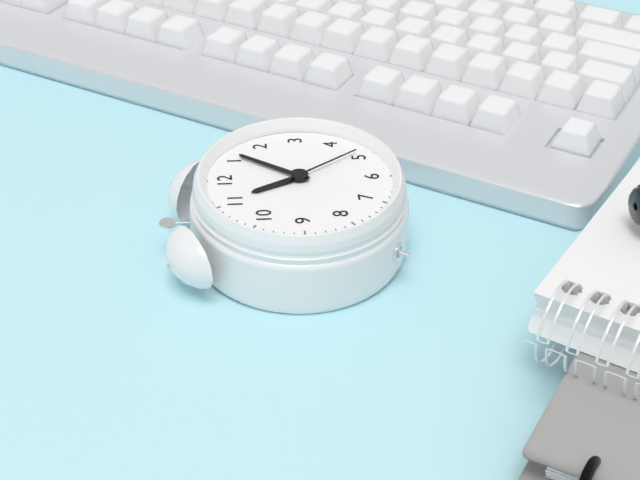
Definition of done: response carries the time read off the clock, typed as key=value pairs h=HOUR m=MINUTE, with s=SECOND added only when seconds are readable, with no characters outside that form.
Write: h=11 m=6 s=24
